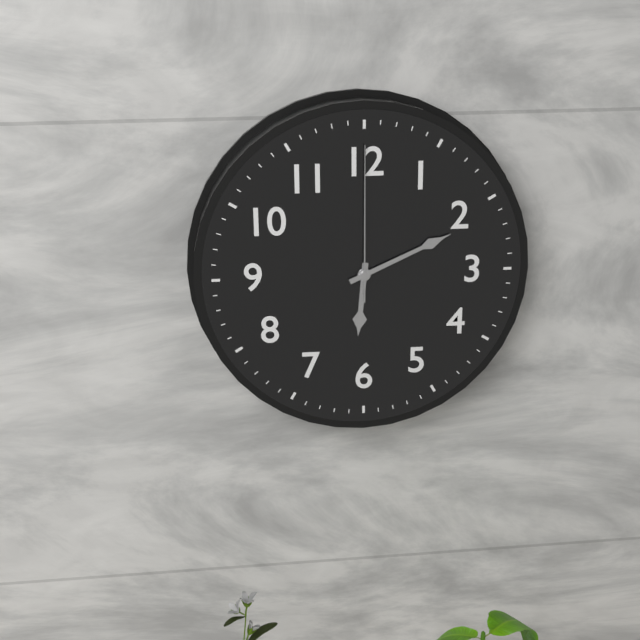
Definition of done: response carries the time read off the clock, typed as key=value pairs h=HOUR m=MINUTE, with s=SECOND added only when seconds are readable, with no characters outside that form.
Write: h=6 m=11 s=0
